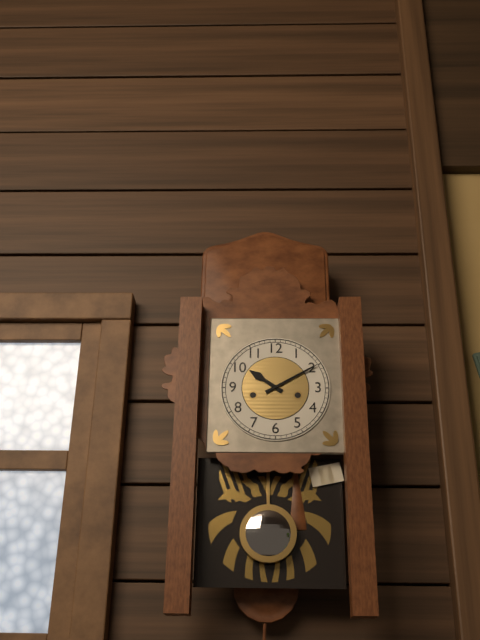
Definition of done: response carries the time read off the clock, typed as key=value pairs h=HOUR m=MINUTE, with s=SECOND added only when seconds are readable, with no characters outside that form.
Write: h=10 m=10
